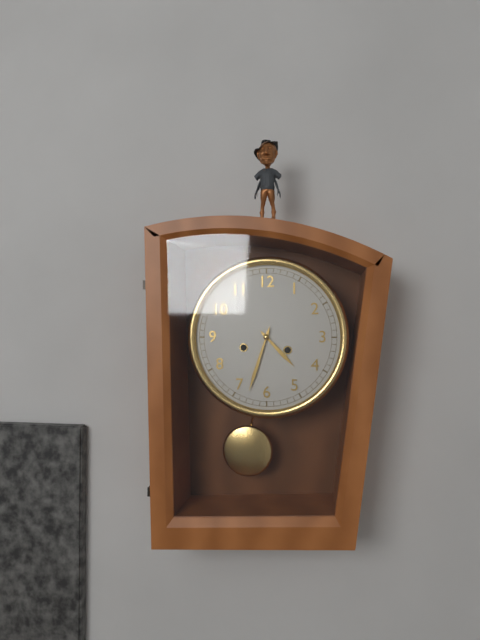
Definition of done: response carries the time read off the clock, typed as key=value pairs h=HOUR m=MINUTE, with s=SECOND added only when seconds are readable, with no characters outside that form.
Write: h=4 m=33
